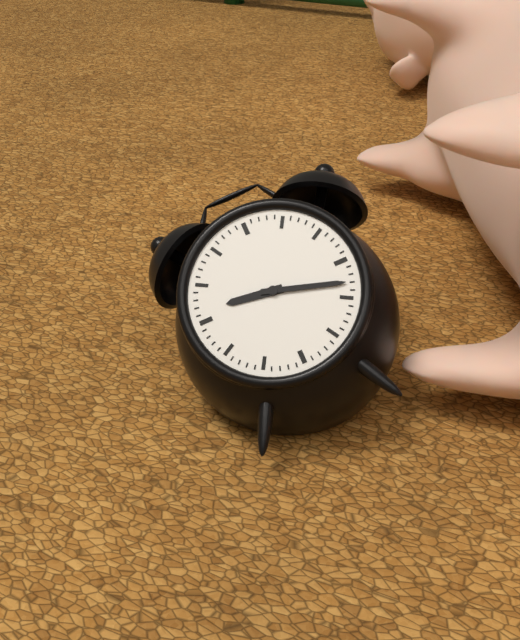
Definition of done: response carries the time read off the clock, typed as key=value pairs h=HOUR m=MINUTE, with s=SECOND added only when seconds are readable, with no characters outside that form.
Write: h=9 m=18
